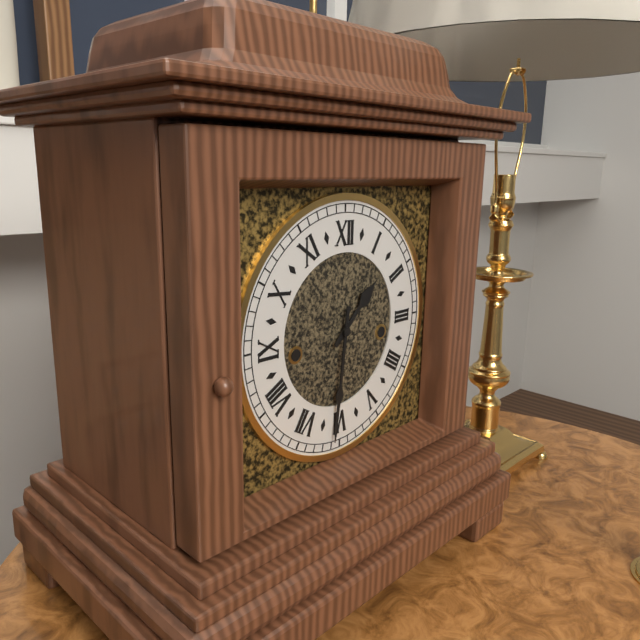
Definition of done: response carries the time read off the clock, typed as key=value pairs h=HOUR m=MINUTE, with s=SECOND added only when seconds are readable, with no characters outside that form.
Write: h=1 m=31
